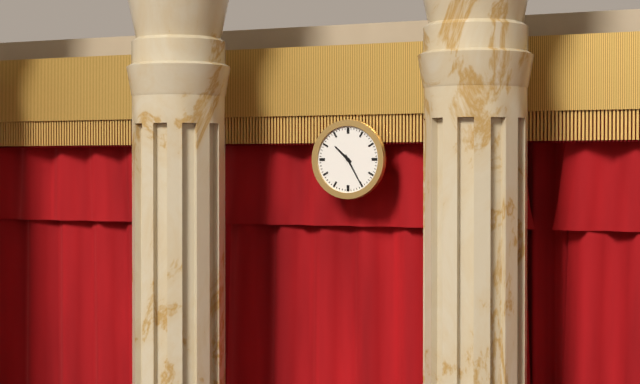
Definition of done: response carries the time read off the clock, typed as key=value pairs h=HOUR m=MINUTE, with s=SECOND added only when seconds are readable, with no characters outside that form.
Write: h=10 m=25
